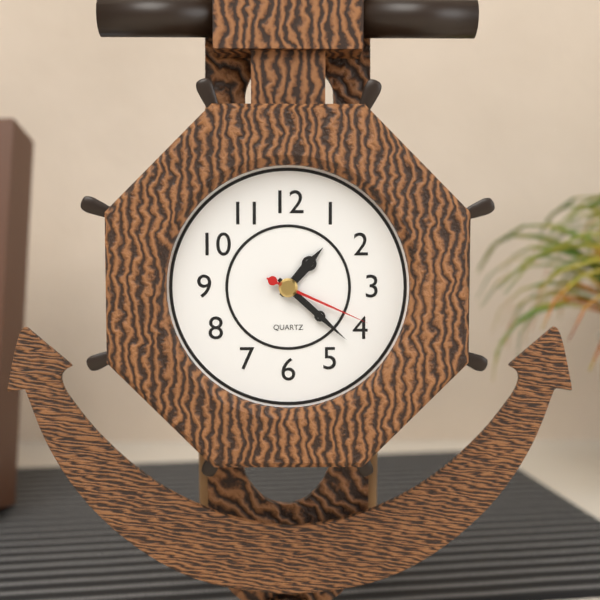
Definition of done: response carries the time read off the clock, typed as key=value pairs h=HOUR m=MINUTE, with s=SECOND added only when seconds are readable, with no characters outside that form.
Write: h=1 m=22 s=19
